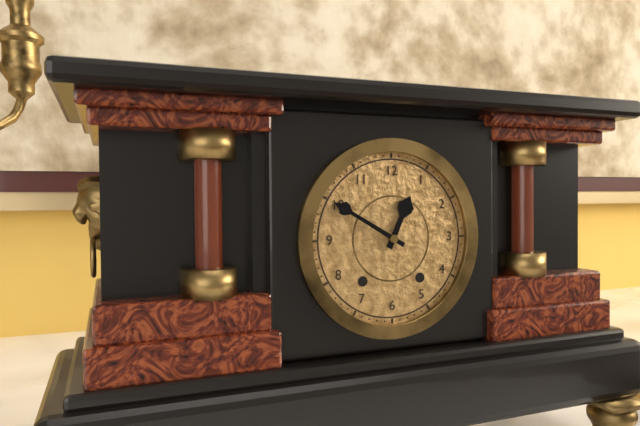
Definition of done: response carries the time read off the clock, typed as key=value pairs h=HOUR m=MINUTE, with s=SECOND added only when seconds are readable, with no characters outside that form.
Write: h=12 m=50
